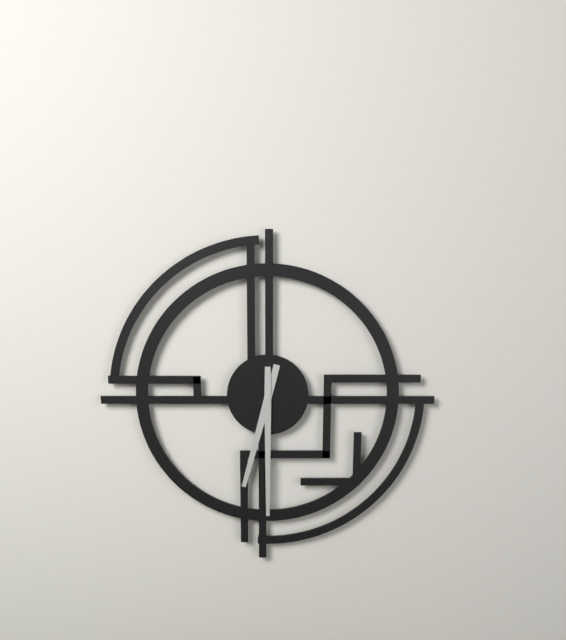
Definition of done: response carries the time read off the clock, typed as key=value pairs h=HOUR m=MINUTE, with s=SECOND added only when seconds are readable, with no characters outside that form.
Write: h=6 m=30
